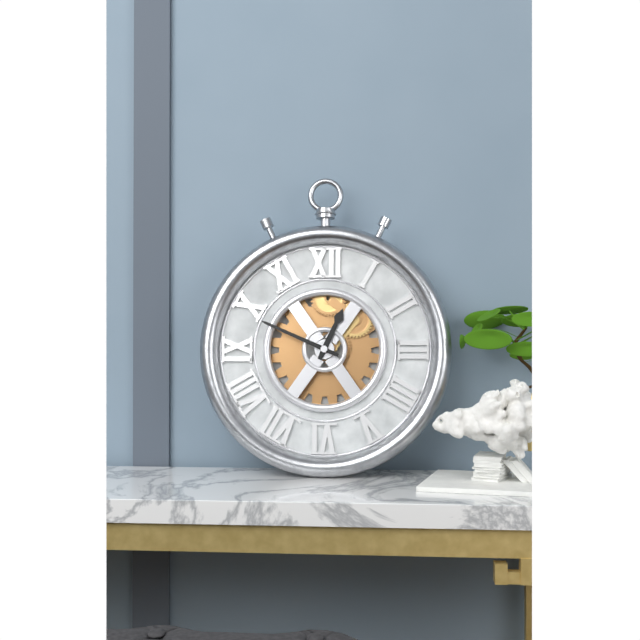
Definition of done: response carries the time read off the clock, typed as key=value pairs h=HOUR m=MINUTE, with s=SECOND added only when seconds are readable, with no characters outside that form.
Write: h=12 m=49
